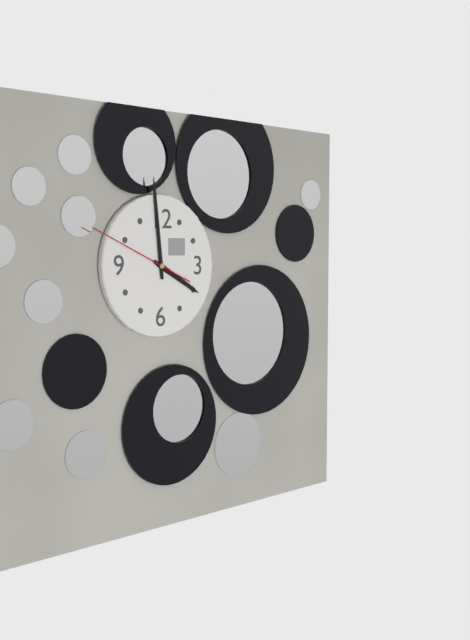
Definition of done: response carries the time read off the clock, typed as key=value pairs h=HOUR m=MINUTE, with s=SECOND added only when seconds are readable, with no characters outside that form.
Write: h=3 m=59 s=49
